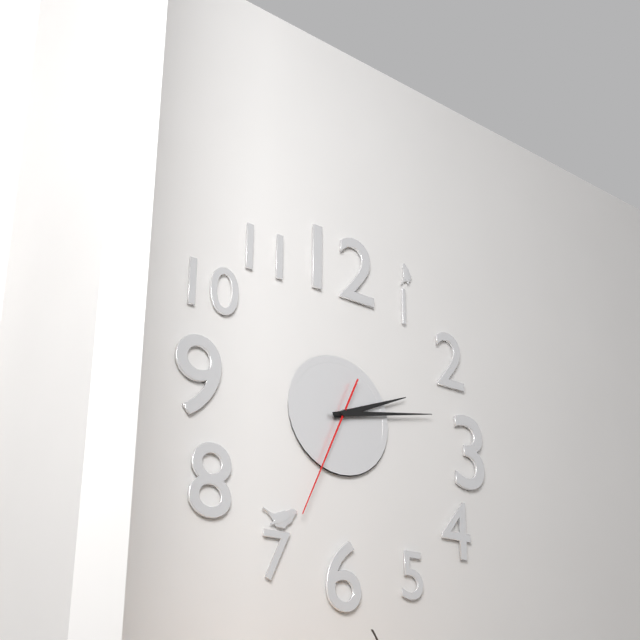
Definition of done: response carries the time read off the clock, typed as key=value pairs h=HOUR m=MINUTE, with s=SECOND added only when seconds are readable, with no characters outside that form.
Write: h=2 m=13 s=34
